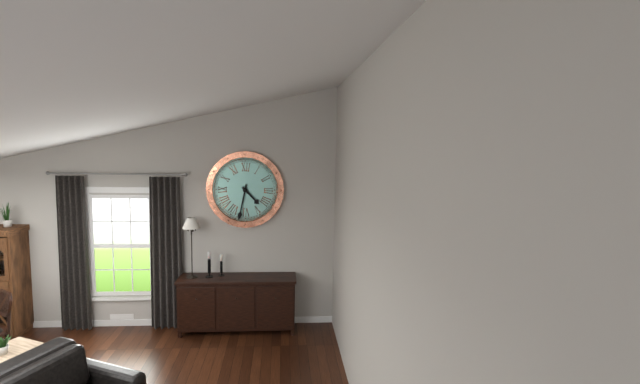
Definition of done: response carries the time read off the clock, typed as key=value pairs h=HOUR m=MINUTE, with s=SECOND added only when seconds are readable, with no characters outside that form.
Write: h=4 m=32
